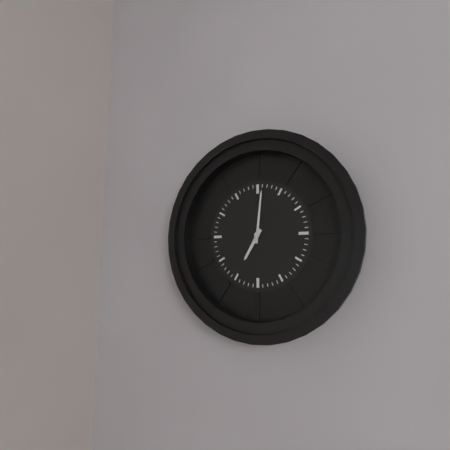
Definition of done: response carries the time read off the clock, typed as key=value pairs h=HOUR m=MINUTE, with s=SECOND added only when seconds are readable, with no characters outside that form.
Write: h=7 m=1
